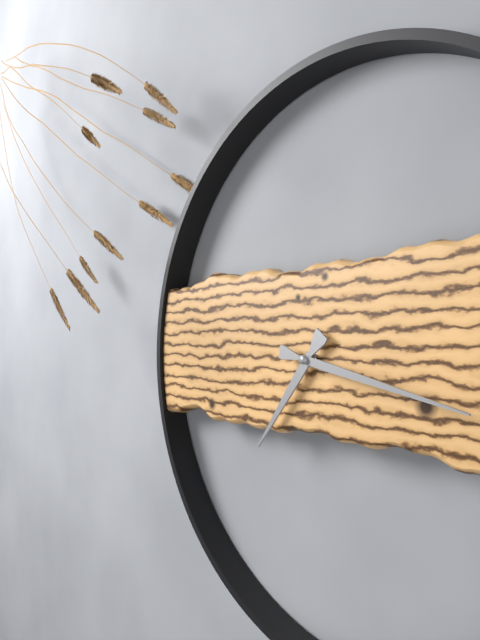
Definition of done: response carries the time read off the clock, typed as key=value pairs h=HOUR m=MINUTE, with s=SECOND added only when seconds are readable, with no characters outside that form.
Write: h=7 m=17
